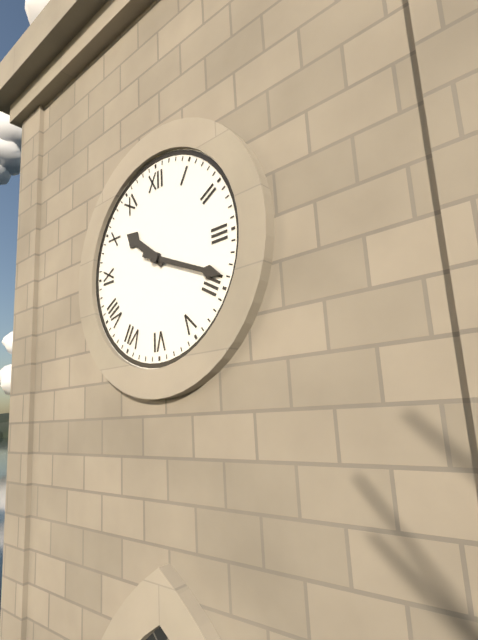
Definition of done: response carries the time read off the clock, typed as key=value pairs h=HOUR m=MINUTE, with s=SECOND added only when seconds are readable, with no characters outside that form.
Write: h=10 m=19
